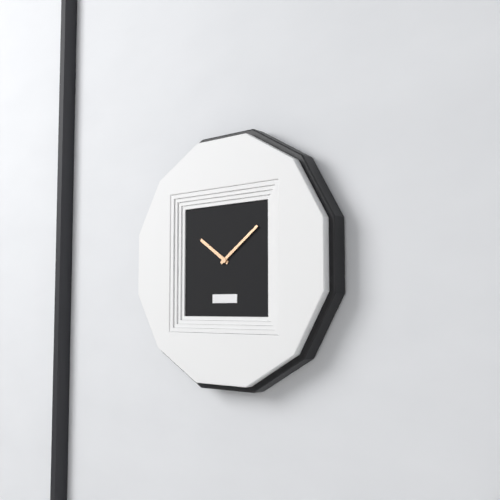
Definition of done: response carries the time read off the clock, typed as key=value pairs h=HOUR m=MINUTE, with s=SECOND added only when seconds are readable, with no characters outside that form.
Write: h=10 m=9
